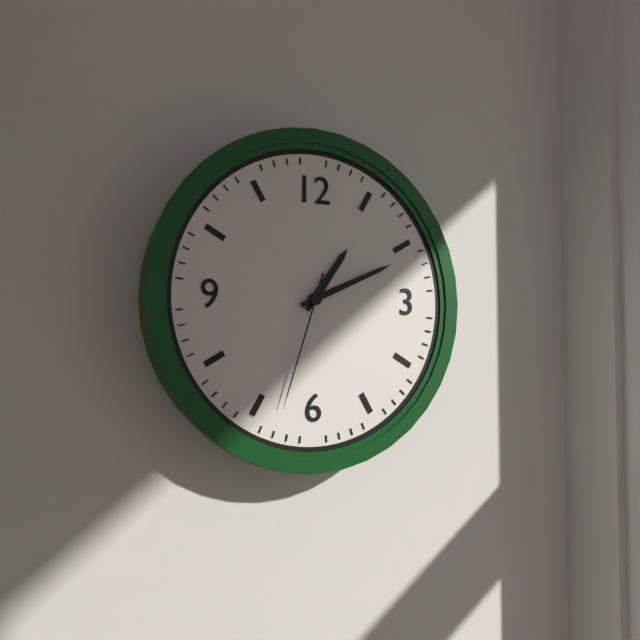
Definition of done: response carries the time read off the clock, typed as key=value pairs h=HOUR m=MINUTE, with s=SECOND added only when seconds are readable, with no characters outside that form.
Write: h=1 m=11 s=33
